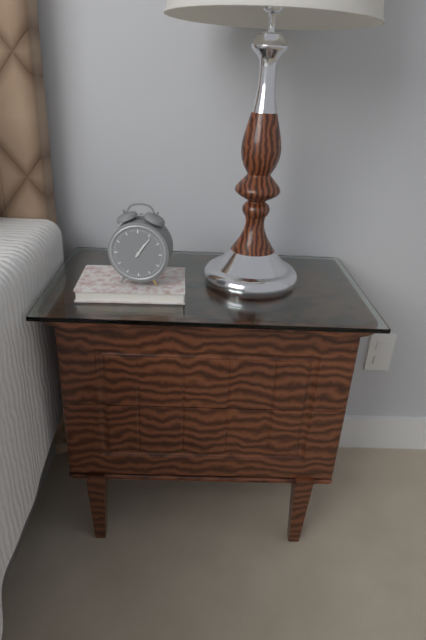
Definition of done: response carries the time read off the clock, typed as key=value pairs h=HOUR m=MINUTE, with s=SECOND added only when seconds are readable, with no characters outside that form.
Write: h=1 m=6
